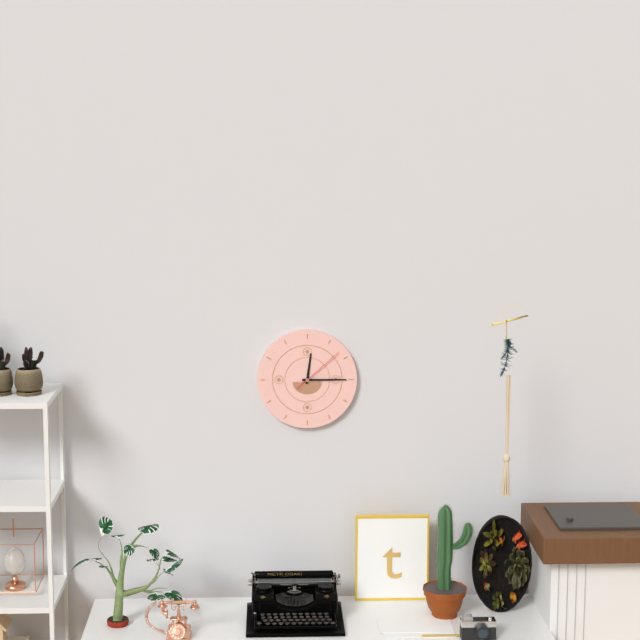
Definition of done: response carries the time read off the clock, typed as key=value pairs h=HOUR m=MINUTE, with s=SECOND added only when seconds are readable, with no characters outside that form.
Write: h=12 m=15 s=8
